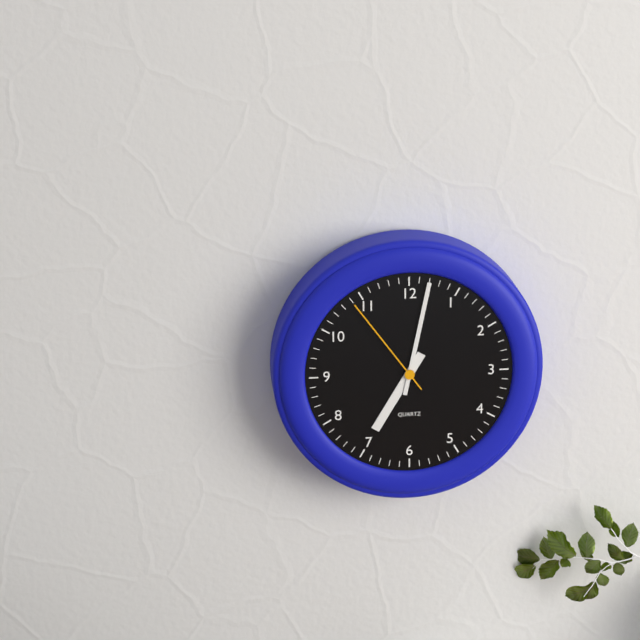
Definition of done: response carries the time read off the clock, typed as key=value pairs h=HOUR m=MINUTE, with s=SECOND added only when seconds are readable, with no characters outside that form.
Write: h=7 m=2 s=54
